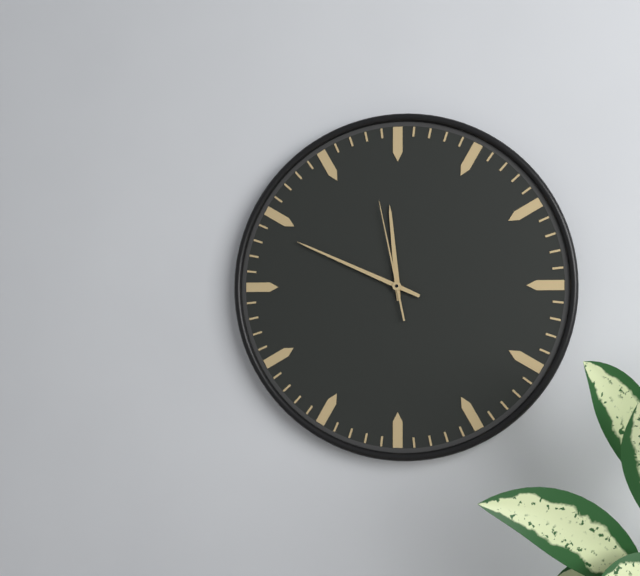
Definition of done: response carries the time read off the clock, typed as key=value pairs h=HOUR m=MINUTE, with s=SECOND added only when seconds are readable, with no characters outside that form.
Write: h=11 m=49 s=58
